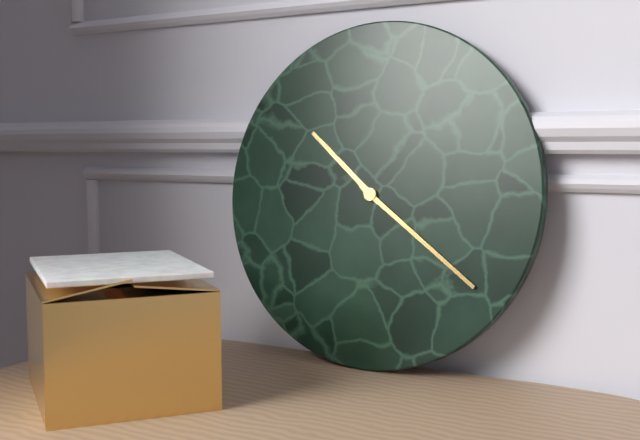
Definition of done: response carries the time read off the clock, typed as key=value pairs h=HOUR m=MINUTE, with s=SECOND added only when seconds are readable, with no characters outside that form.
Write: h=10 m=21
